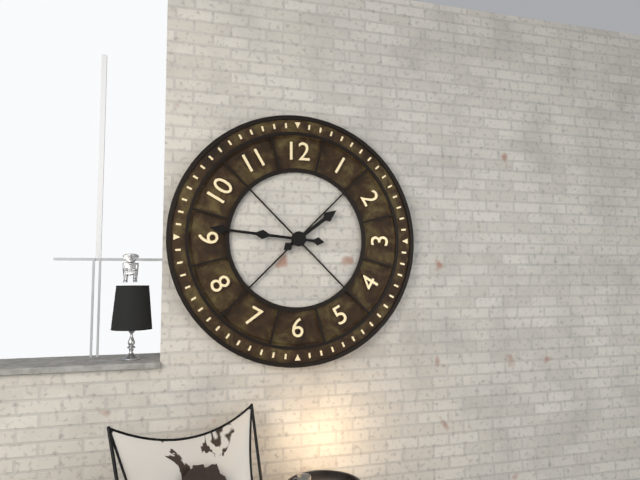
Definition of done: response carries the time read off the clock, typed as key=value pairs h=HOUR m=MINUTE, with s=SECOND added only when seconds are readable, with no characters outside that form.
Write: h=1 m=46
